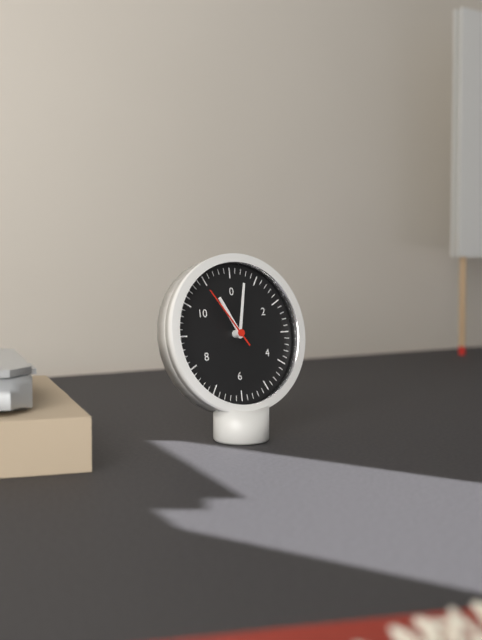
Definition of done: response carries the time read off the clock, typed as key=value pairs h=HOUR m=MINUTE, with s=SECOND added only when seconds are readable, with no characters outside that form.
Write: h=11 m=2 s=54
